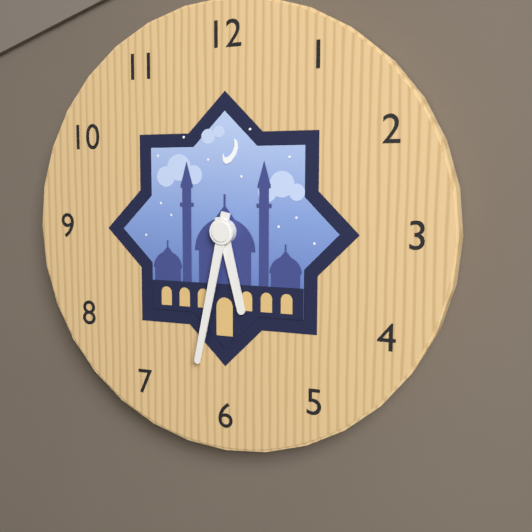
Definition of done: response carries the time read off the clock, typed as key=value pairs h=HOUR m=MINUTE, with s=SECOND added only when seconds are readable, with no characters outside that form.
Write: h=5 m=32
